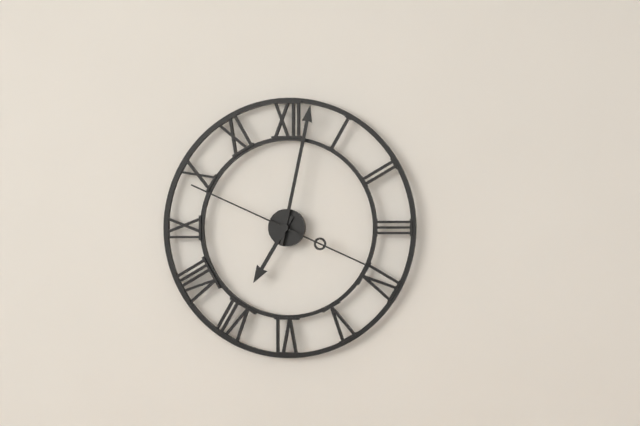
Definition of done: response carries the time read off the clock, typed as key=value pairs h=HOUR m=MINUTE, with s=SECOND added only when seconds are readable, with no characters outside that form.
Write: h=7 m=2 s=49
